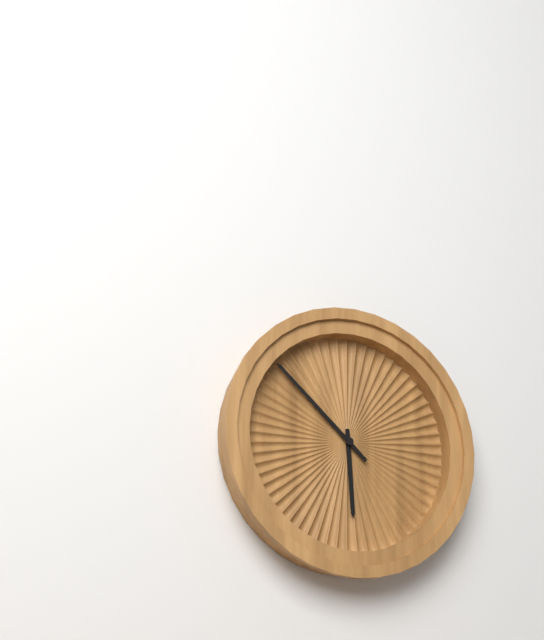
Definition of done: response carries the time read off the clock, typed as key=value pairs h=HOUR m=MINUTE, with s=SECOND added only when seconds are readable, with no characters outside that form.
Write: h=5 m=52
